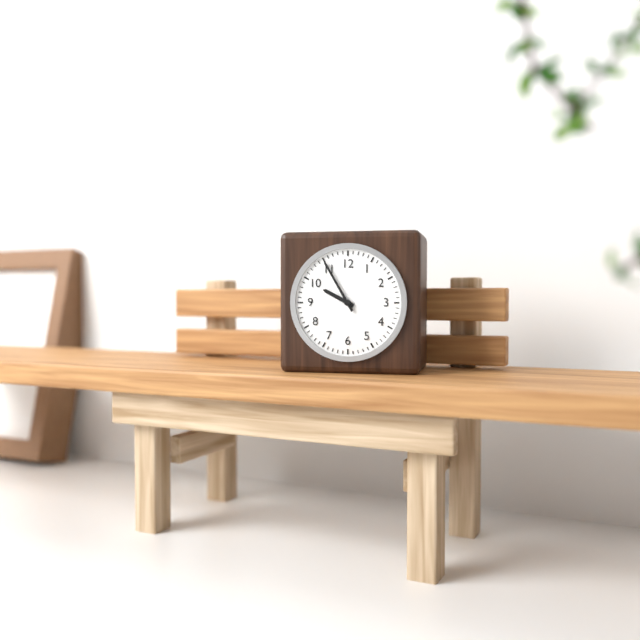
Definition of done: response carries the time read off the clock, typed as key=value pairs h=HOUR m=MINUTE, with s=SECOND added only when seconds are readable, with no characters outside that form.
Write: h=9 m=55
